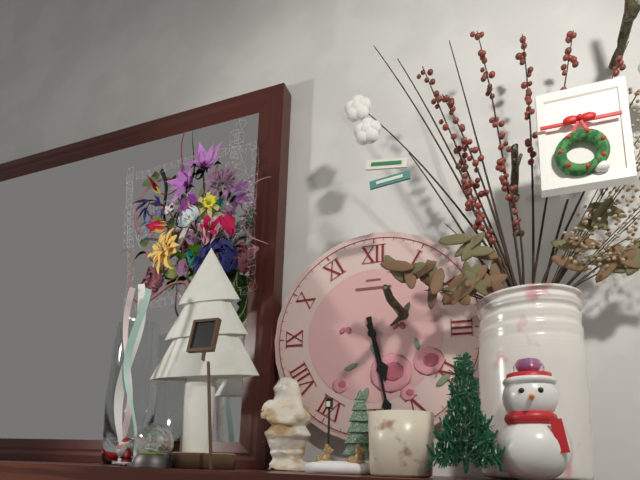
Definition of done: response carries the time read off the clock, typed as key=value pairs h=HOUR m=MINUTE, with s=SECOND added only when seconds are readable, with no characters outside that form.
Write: h=5 m=28
